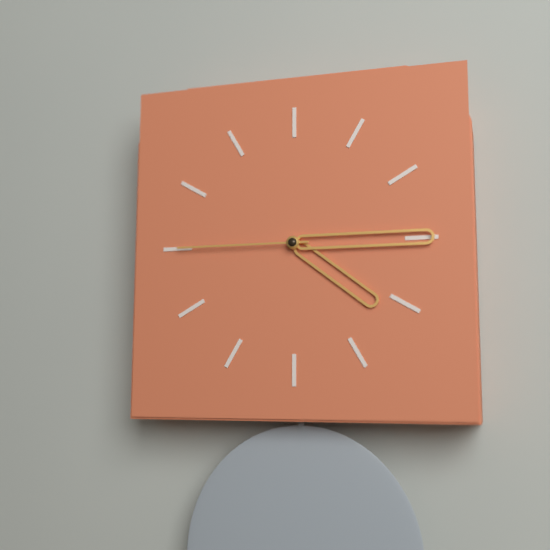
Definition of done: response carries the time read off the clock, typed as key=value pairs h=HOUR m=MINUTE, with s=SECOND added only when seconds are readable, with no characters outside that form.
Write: h=4 m=15 s=45
